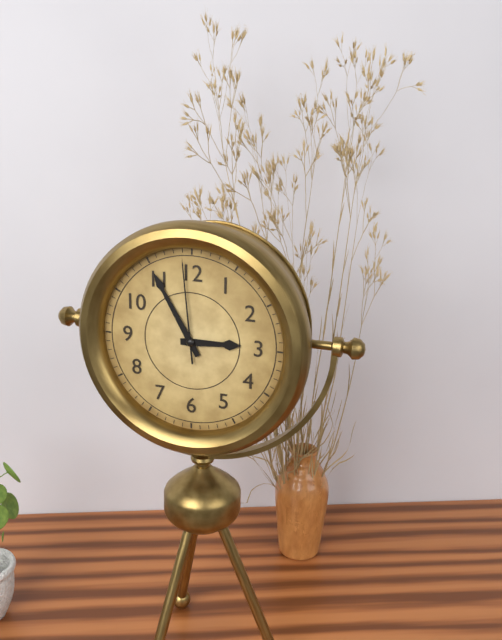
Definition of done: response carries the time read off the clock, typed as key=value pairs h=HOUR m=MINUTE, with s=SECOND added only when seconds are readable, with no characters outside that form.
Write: h=2 m=55 s=59
